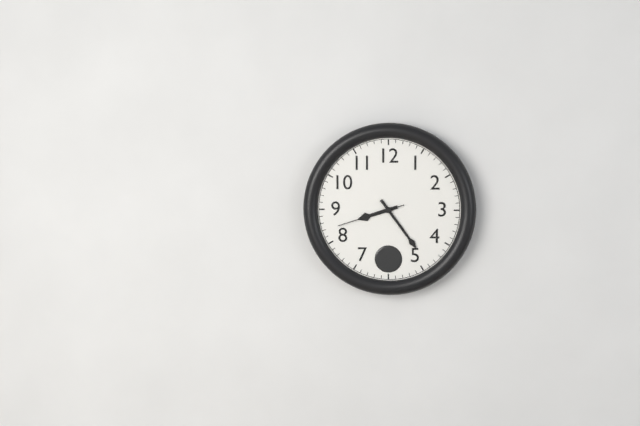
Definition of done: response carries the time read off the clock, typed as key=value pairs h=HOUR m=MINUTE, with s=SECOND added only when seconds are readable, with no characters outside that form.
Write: h=8 m=24 s=42
